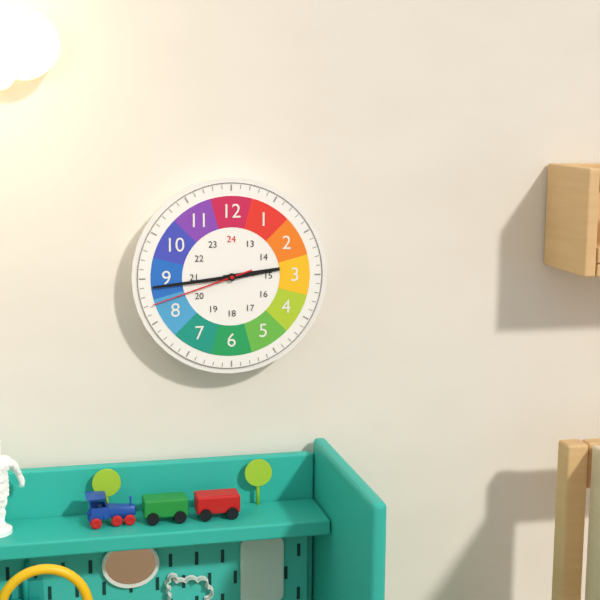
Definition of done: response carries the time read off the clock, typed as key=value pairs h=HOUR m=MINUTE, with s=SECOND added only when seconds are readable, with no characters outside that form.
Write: h=2 m=44 s=42
